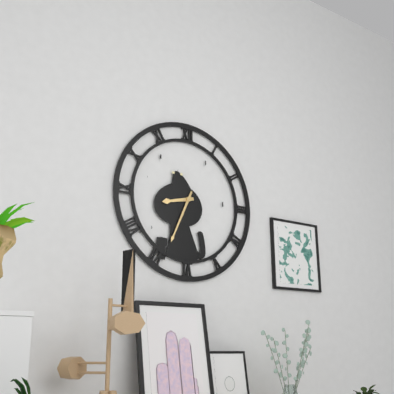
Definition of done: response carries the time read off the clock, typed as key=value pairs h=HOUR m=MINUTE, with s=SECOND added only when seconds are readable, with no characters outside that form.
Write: h=8 m=34
